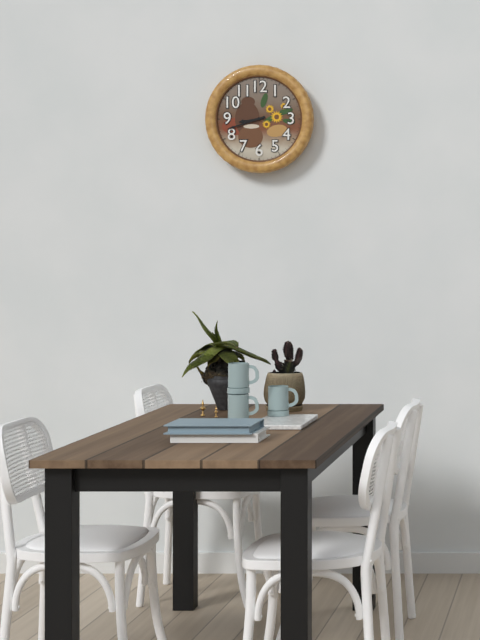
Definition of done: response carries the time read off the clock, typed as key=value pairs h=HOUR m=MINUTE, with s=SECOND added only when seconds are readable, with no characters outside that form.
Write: h=8 m=42
